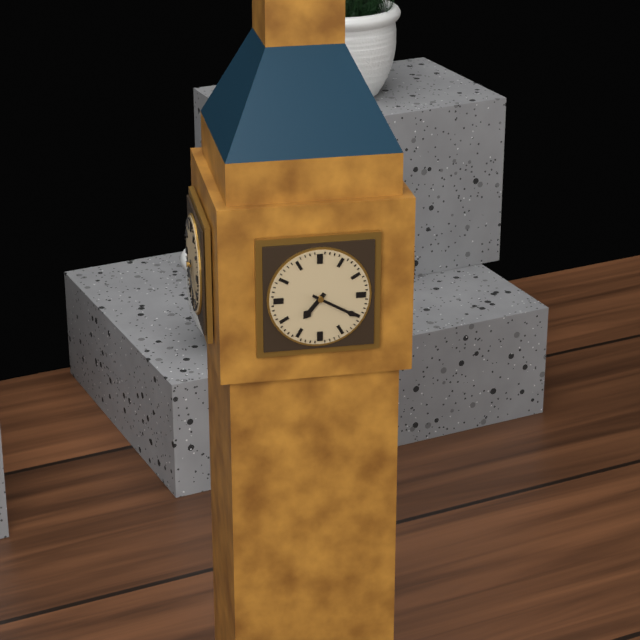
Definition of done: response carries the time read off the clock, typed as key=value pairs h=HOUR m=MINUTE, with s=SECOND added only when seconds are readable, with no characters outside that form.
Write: h=7 m=20
